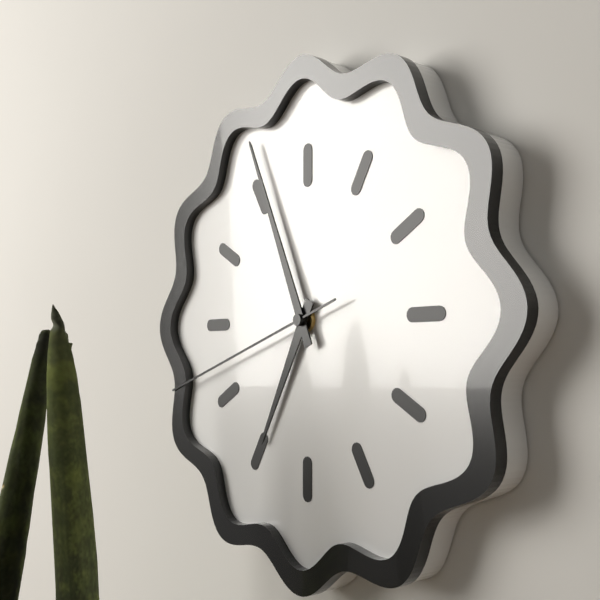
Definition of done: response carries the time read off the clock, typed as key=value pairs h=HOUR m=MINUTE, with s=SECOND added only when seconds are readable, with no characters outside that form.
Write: h=6 m=56 s=42
